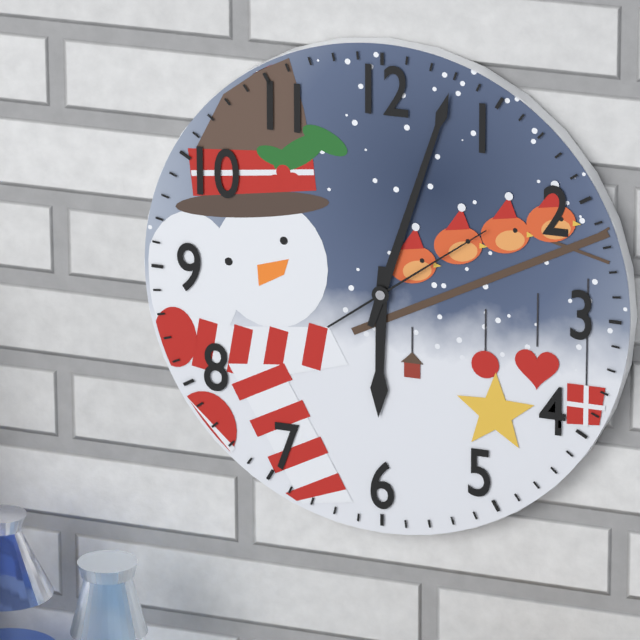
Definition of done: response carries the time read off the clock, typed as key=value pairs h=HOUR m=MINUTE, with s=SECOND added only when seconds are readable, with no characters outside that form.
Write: h=6 m=3 s=9
